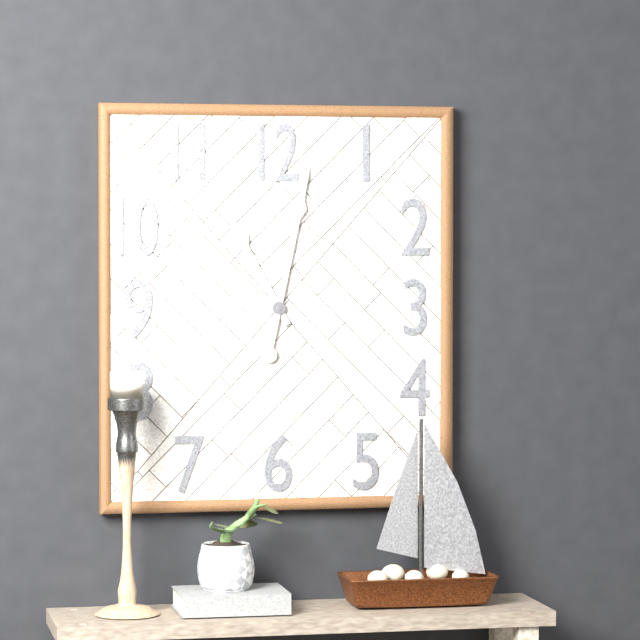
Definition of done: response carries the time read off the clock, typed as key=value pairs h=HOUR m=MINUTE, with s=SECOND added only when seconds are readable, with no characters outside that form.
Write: h=11 m=2
